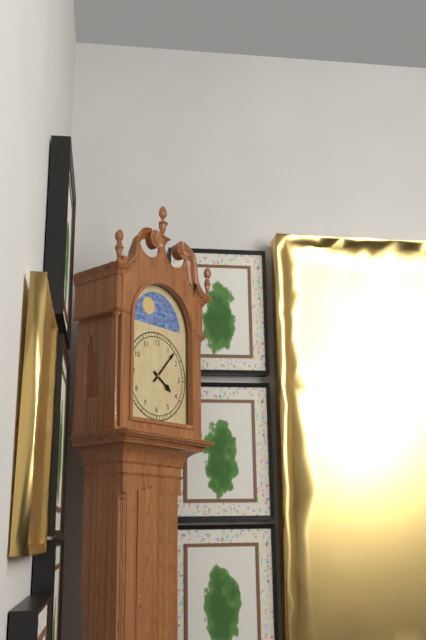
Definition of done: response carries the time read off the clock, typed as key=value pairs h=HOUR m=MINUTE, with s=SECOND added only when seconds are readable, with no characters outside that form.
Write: h=4 m=7
